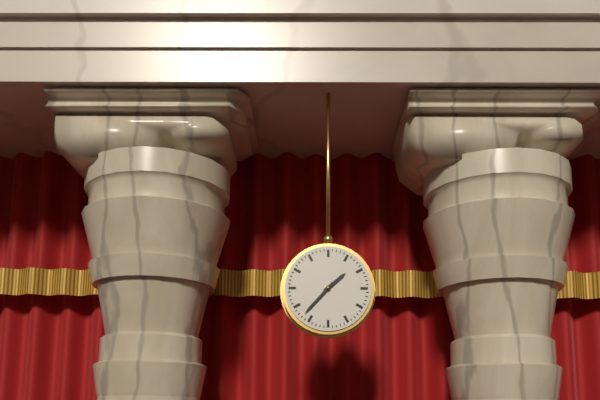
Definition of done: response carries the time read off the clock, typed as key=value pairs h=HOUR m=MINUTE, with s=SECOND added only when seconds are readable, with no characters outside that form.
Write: h=1 m=37
